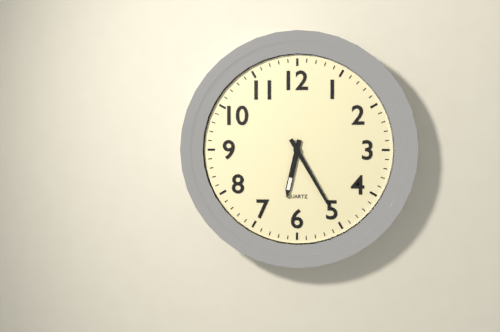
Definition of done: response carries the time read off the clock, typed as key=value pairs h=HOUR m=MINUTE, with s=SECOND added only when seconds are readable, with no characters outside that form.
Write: h=6 m=25
